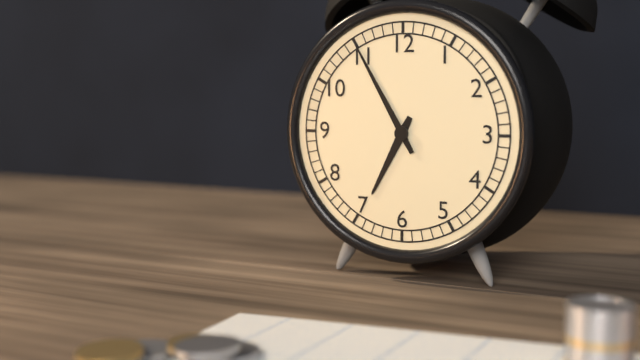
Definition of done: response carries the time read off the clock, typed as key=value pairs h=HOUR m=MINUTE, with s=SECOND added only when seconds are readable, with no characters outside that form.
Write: h=6 m=55
